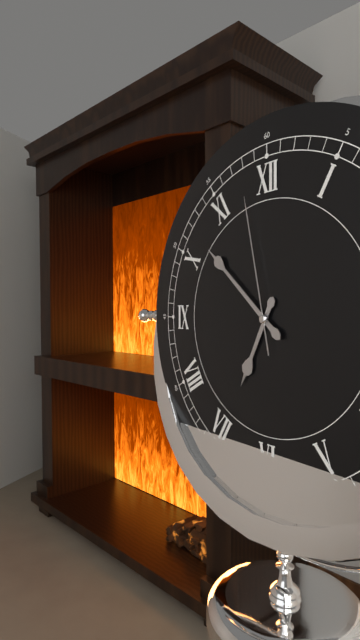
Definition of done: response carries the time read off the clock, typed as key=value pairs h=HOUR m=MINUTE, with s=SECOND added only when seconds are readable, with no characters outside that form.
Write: h=6 m=52 s=58
